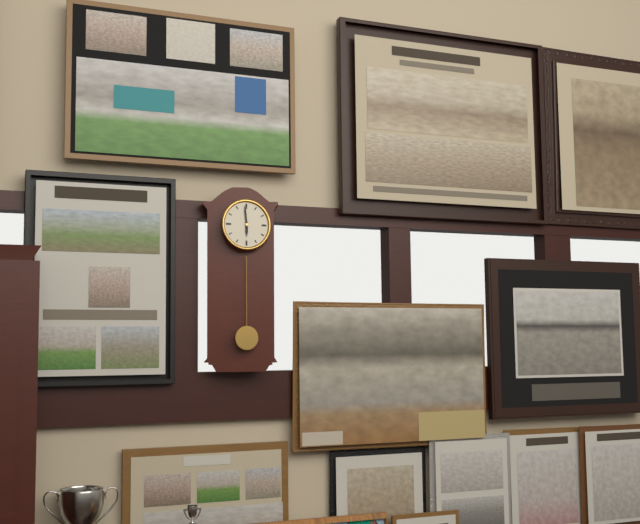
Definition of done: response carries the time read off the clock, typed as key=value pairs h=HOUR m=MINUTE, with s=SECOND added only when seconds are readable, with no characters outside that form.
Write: h=5 m=59
